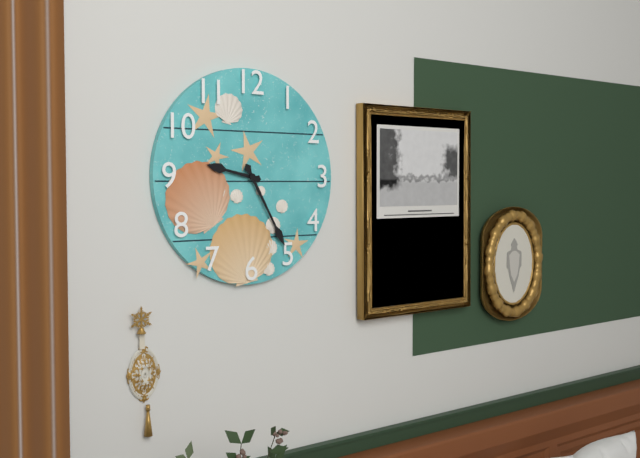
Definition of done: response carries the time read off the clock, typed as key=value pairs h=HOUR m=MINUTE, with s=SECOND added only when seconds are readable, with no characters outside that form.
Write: h=9 m=25
